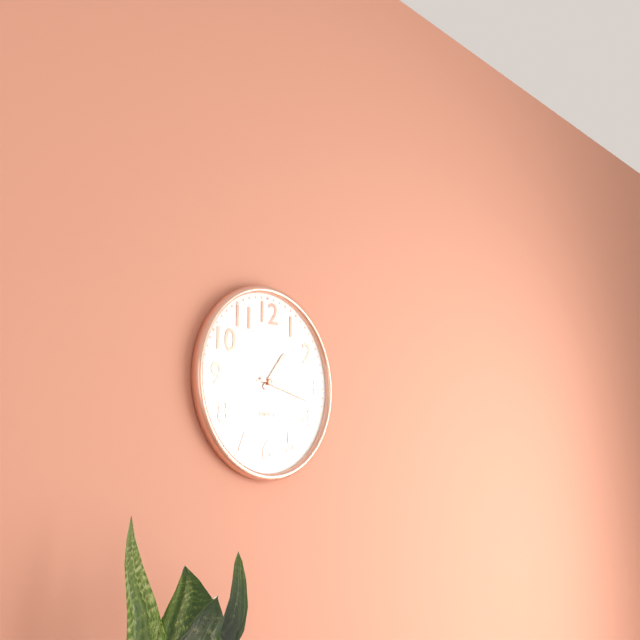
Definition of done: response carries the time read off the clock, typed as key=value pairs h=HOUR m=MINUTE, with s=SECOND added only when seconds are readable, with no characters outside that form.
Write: h=1 m=17 s=15
